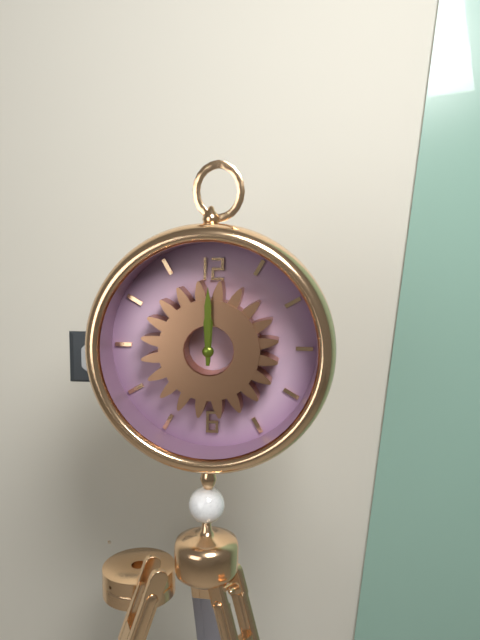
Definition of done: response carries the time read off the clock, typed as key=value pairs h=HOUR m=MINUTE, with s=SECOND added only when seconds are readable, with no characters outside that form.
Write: h=12 m=0
